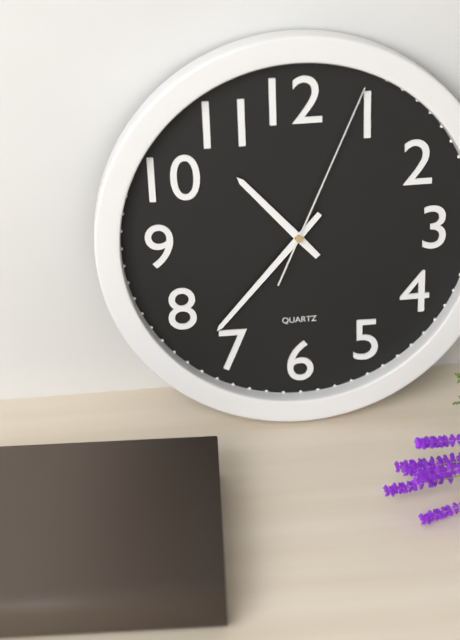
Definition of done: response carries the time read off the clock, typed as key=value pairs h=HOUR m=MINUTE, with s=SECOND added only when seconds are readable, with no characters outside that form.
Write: h=10 m=37 s=4
